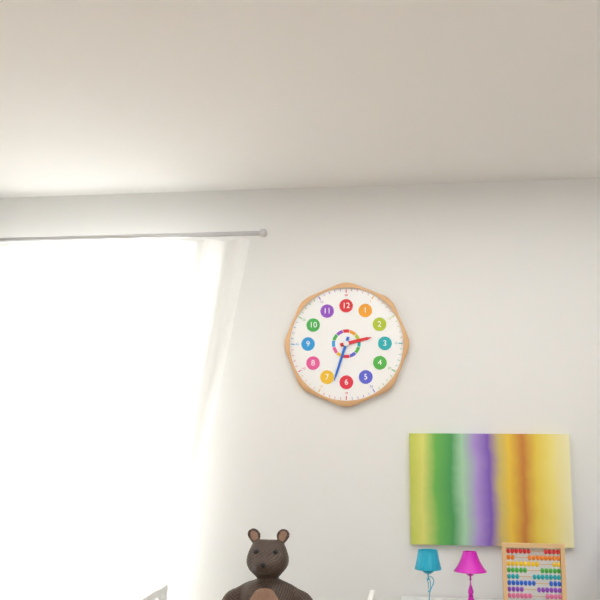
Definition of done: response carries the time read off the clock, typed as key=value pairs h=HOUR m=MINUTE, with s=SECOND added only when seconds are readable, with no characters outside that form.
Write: h=2 m=33
